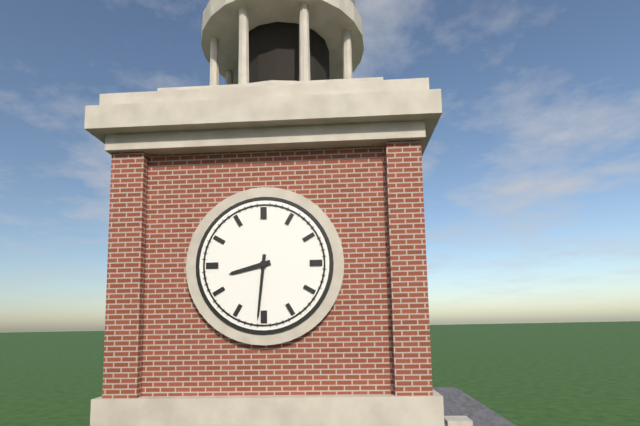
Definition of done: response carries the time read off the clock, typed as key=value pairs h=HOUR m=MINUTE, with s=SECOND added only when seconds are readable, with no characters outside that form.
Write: h=8 m=31
